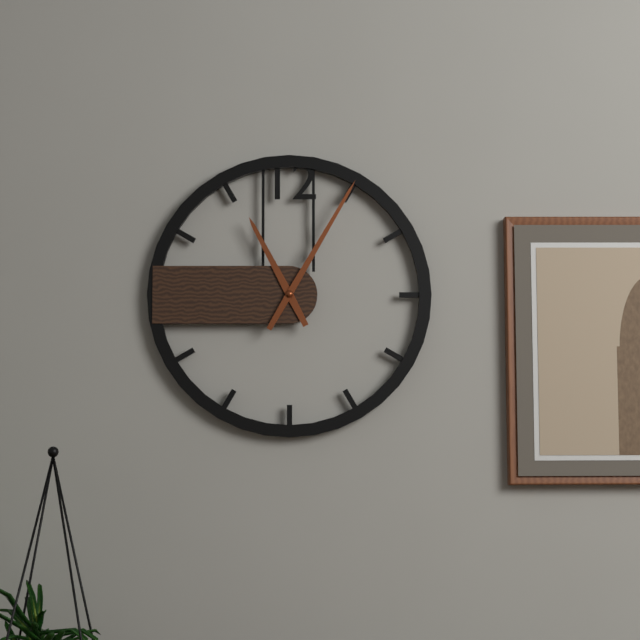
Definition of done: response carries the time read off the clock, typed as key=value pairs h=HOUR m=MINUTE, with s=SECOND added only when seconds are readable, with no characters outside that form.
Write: h=11 m=5
